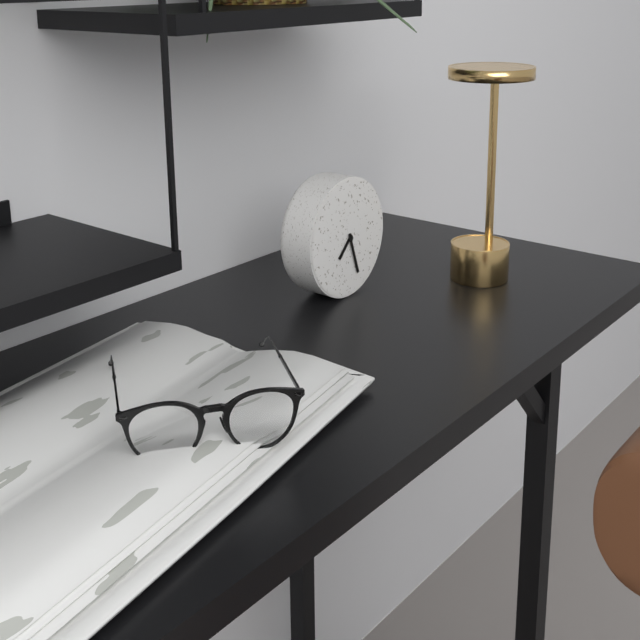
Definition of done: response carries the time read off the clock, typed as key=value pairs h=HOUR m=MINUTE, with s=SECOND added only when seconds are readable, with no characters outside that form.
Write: h=7 m=27
